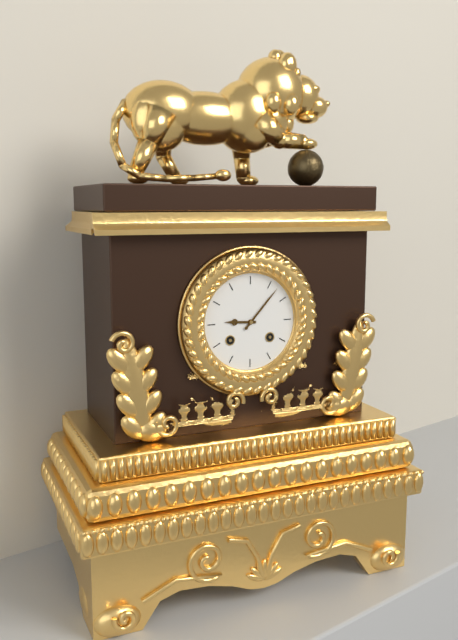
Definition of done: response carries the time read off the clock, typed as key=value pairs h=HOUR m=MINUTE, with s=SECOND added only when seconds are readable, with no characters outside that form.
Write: h=9 m=7
